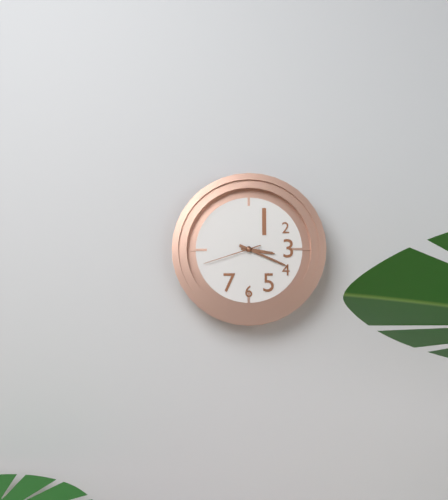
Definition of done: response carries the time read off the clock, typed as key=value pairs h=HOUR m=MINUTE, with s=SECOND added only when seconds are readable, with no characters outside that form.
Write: h=3 m=19 s=42
